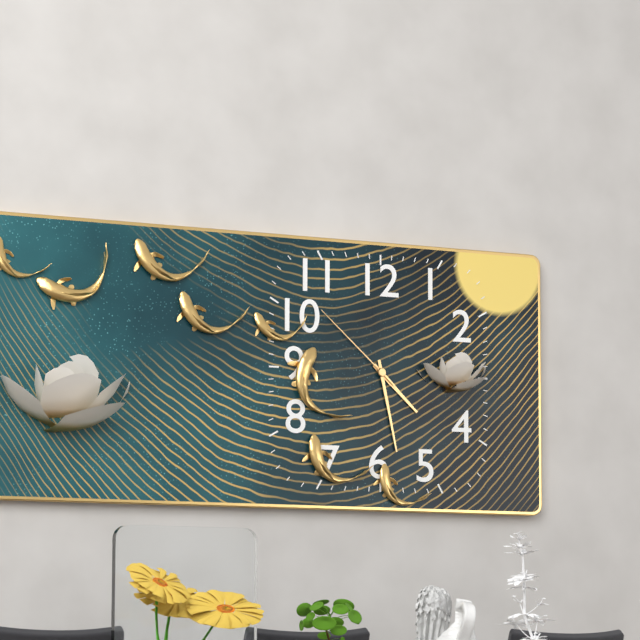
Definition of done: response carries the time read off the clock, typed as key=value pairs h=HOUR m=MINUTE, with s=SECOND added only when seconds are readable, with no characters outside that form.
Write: h=4 m=28 s=52
